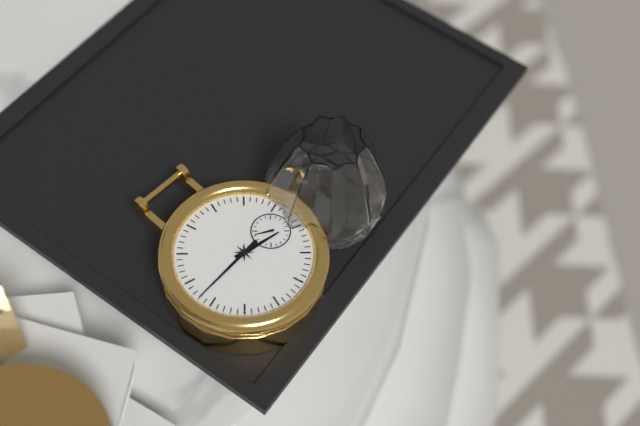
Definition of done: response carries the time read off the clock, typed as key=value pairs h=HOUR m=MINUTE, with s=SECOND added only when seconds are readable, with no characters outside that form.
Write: h=4 m=52
